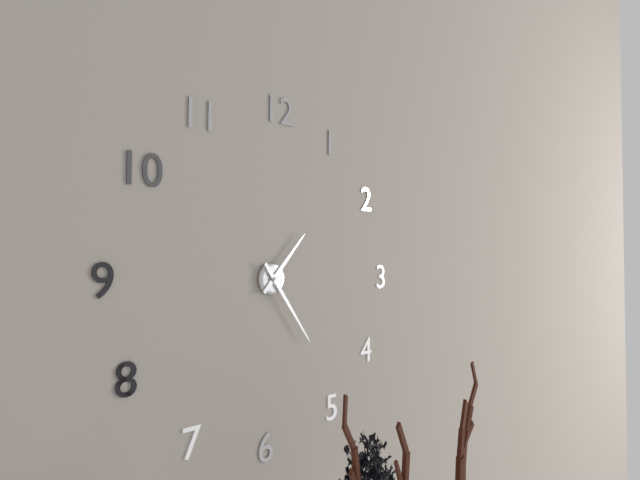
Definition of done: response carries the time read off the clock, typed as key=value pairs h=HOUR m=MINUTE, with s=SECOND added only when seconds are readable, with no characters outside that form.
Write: h=1 m=24
